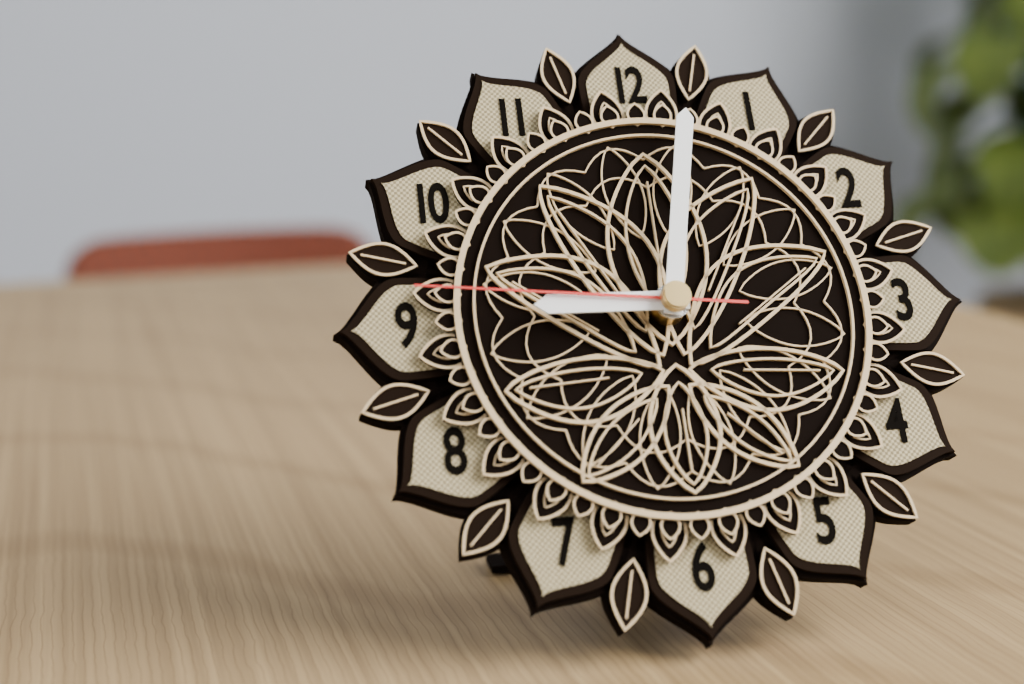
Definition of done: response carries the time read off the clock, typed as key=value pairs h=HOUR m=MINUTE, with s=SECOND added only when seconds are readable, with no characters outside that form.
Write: h=9 m=2 s=46
